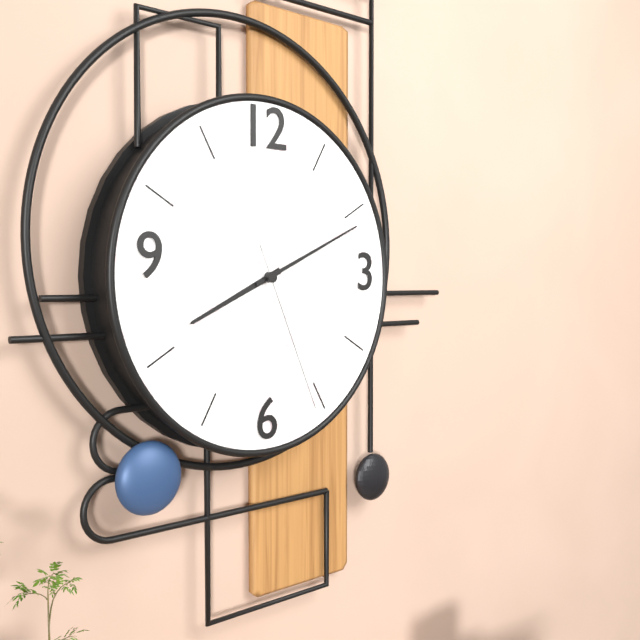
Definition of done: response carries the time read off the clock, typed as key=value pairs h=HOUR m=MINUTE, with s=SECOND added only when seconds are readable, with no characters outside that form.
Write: h=8 m=11 s=26
